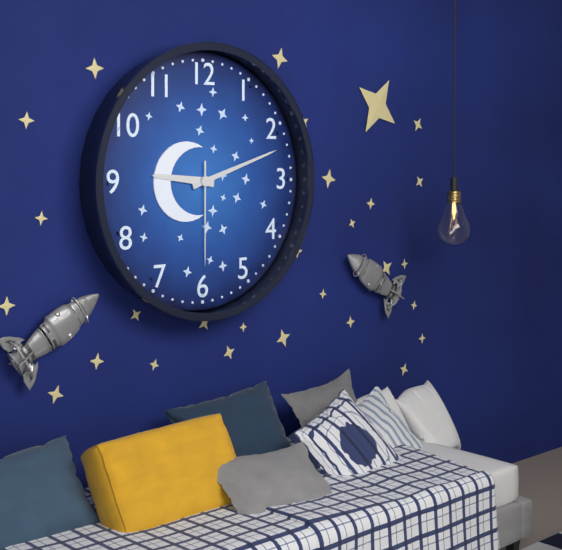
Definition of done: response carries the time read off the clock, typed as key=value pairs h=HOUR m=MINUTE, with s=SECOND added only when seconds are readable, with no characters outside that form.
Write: h=9 m=12 s=30
